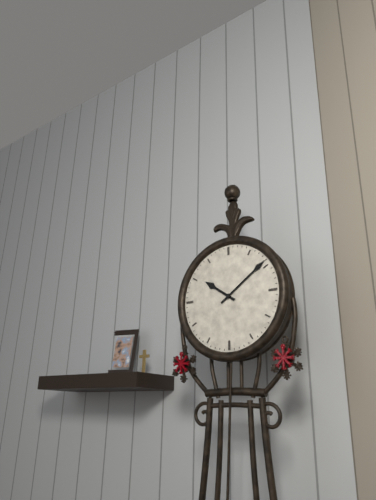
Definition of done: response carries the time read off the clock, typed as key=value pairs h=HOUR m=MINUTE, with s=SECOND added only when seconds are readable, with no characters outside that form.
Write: h=10 m=9
